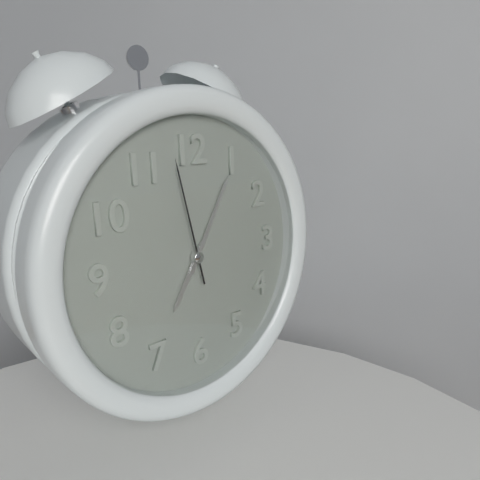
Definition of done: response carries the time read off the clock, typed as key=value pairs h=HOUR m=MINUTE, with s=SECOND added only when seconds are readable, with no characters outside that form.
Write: h=7 m=5 s=58
